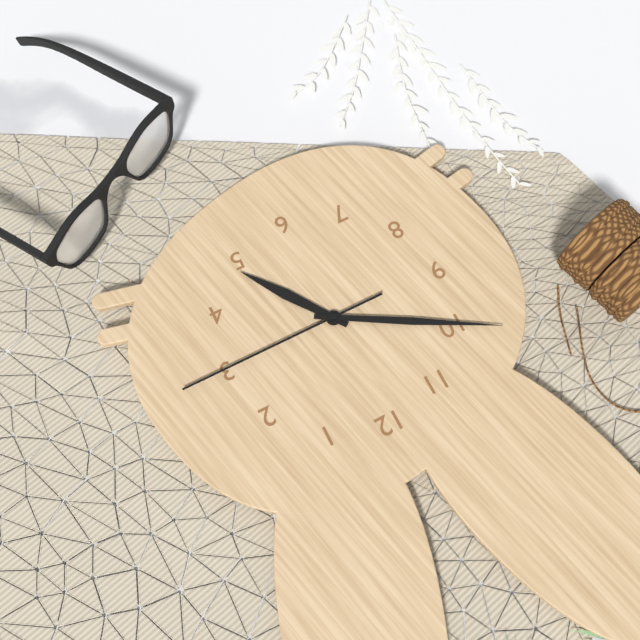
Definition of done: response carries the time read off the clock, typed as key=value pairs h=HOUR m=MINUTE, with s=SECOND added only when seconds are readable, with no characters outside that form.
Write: h=4 m=50 s=15
